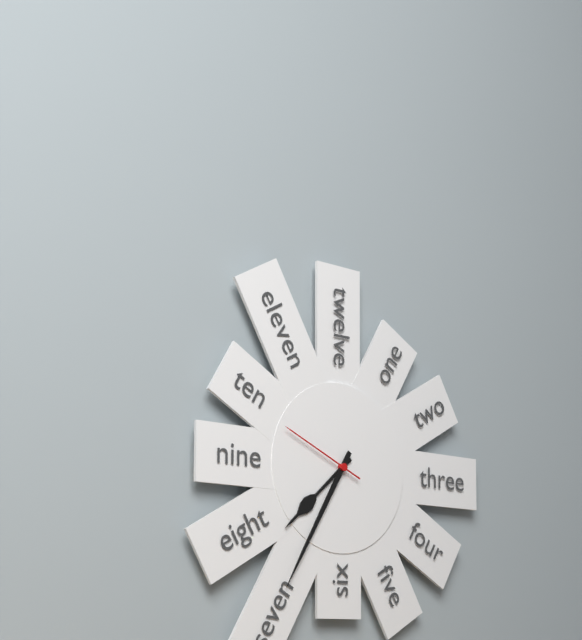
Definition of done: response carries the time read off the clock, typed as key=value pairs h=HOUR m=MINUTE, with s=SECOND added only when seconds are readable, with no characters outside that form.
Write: h=7 m=35 s=49
